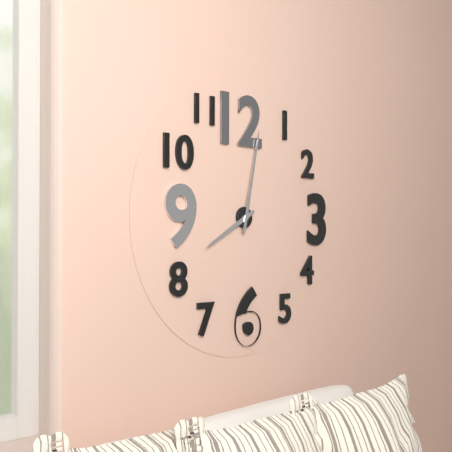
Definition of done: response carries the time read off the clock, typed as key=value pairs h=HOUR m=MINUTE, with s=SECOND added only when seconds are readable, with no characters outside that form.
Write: h=8 m=2
